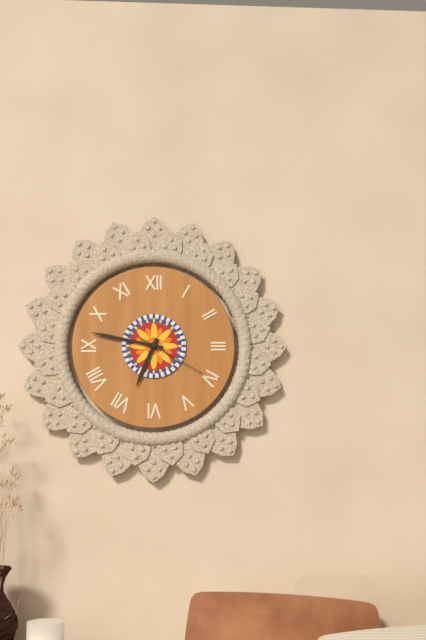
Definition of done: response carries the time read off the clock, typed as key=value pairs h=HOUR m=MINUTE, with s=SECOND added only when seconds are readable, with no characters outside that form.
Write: h=6 m=47 s=20
